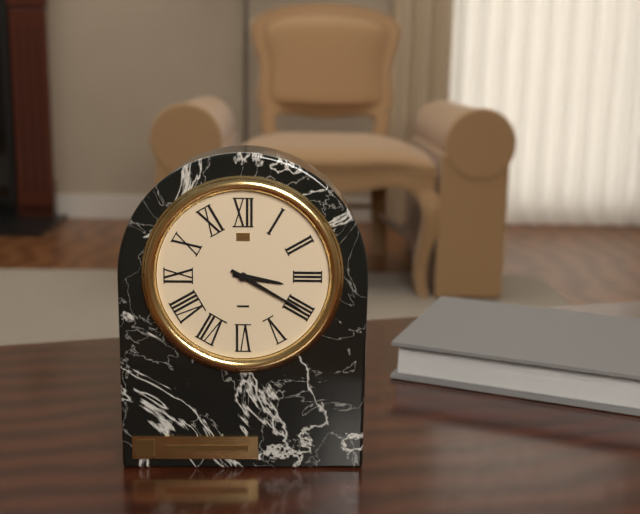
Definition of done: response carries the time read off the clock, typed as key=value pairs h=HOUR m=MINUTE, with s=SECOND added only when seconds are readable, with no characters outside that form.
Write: h=3 m=20
